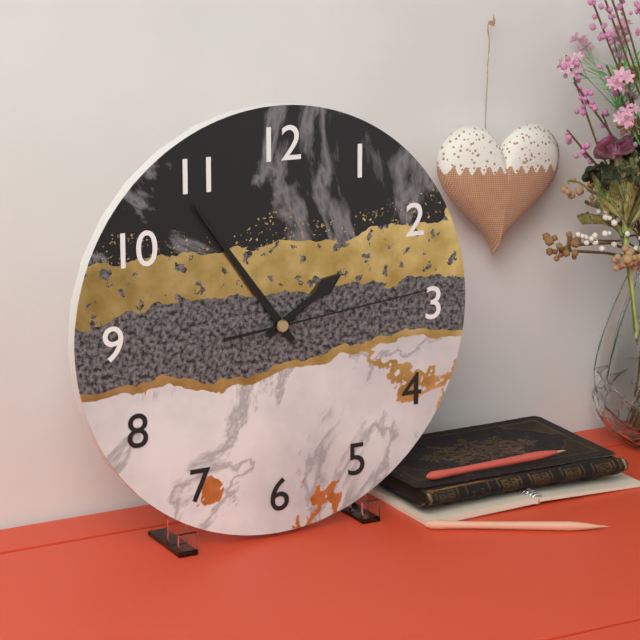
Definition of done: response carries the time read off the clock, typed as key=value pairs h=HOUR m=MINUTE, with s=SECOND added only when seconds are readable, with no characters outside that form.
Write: h=1 m=54 s=14
